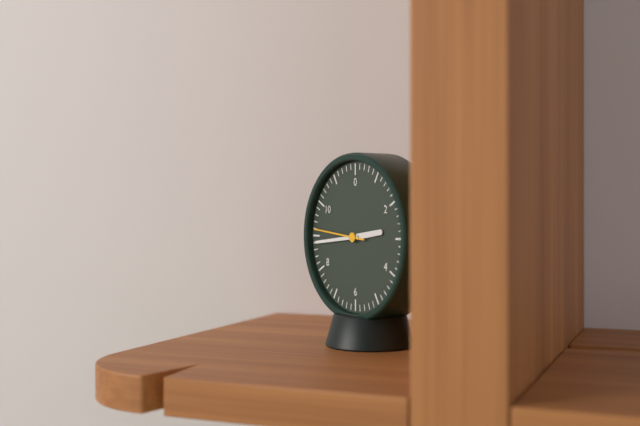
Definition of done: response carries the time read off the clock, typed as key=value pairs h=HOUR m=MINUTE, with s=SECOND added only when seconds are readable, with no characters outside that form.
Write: h=2 m=44 s=46
